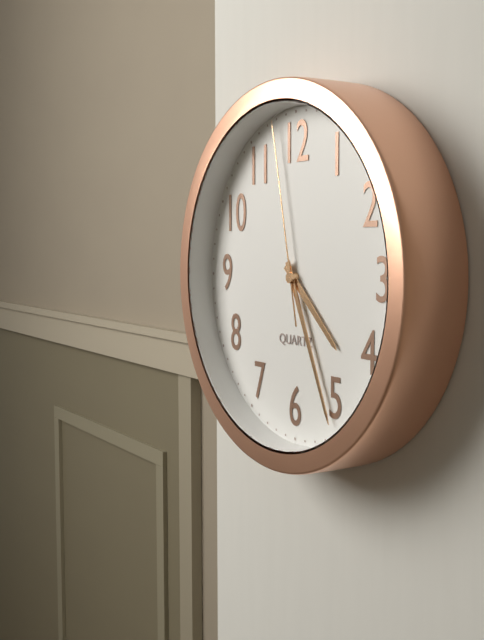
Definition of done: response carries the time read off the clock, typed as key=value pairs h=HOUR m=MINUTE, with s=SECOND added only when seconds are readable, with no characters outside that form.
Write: h=4 m=26 s=58
